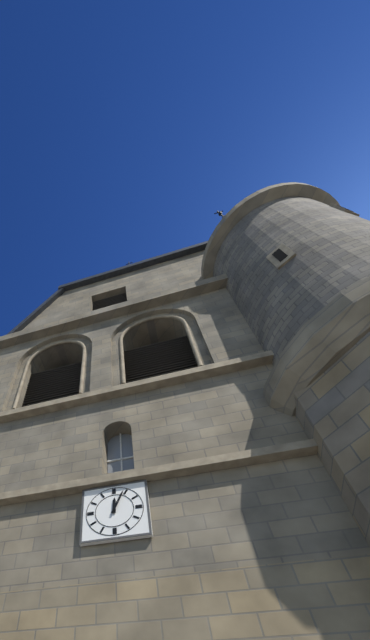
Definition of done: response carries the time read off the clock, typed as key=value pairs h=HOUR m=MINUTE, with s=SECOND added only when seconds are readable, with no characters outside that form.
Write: h=12 m=4
